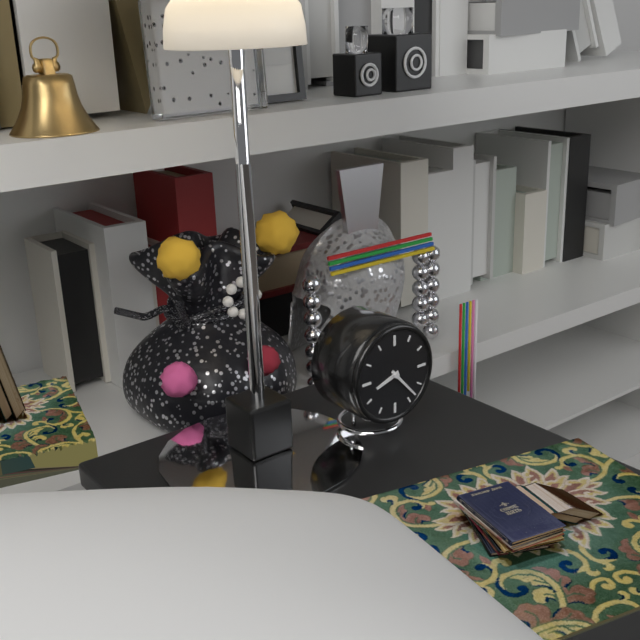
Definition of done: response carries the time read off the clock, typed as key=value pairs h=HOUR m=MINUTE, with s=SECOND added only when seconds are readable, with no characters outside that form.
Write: h=8 m=23
